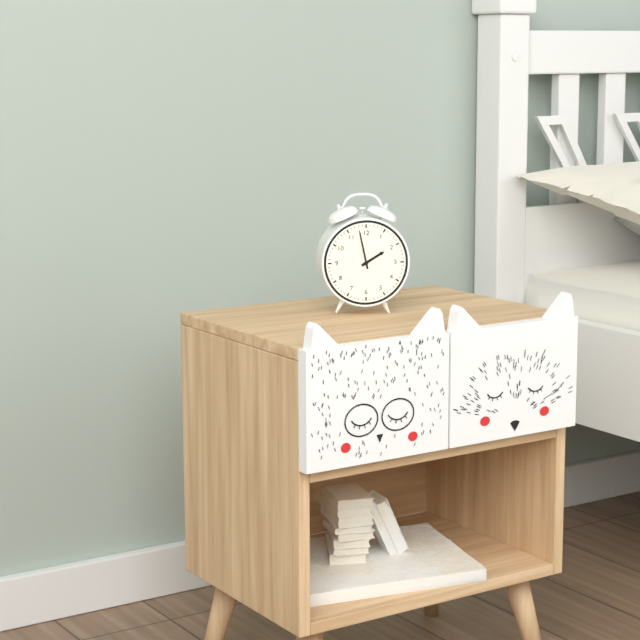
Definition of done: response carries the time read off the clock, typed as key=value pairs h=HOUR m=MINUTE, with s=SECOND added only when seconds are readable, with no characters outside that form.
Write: h=1 m=58
